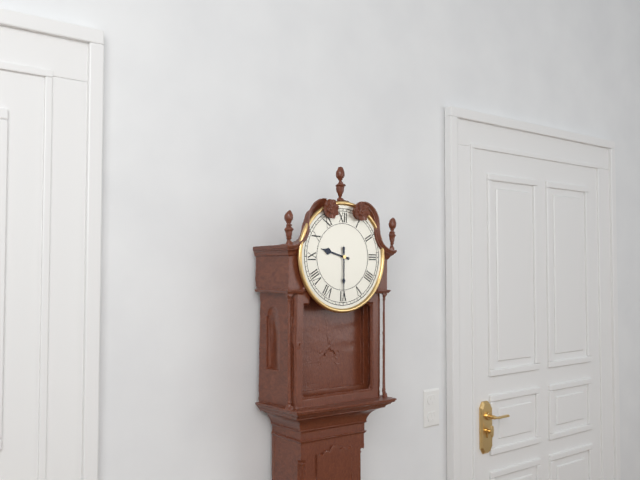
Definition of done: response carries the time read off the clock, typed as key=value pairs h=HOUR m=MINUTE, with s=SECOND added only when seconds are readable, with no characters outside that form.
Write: h=9 m=30
